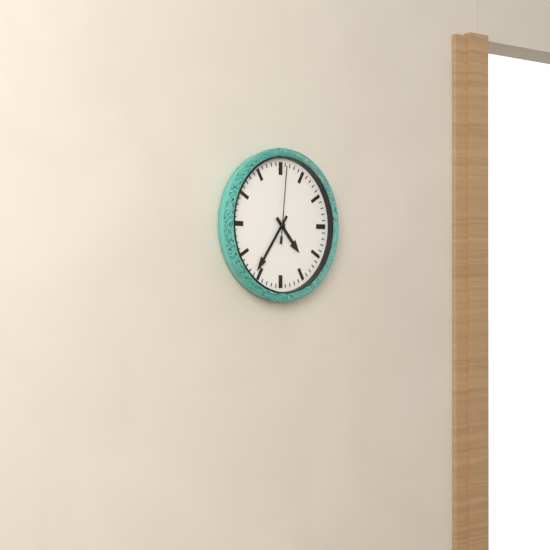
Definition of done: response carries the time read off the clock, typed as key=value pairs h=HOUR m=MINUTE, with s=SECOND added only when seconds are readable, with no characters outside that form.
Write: h=4 m=36 s=1
